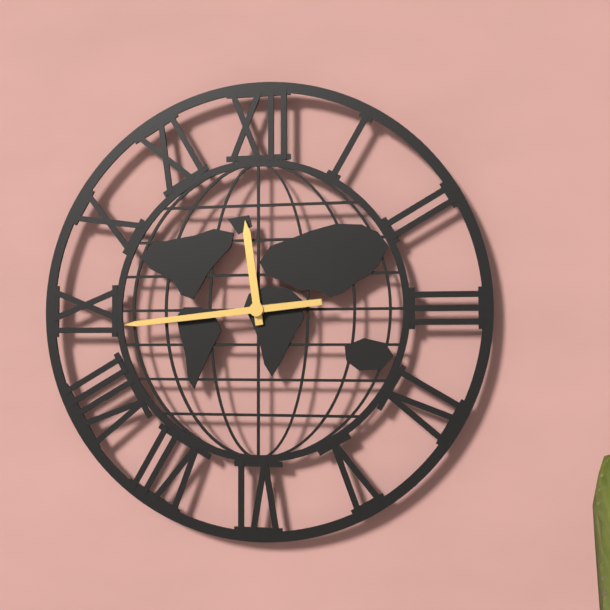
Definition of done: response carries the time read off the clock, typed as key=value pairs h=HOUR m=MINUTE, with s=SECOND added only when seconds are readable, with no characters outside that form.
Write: h=11 m=44
